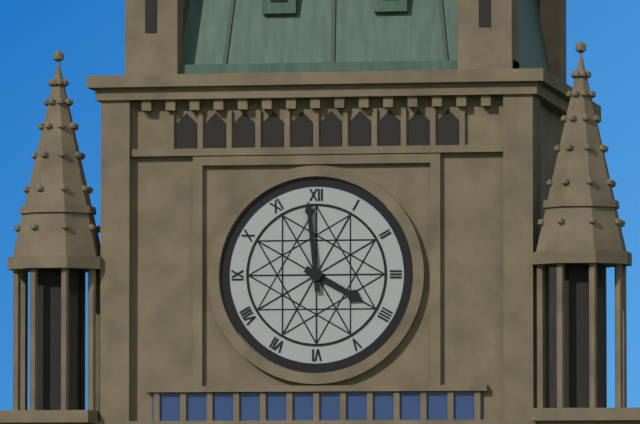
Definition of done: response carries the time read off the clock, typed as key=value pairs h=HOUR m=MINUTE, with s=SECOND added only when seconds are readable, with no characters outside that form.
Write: h=3 m=59
